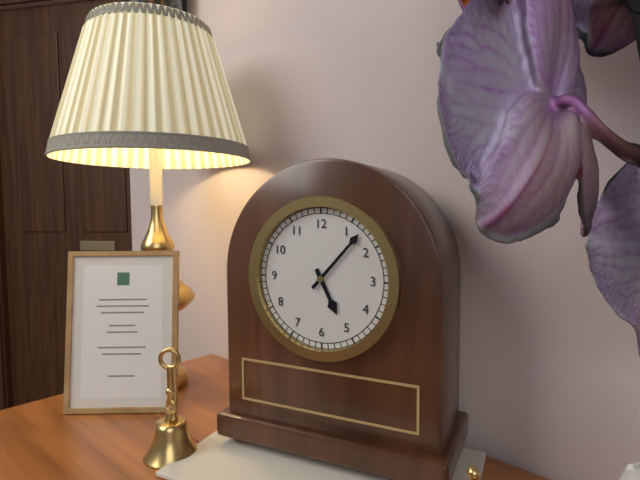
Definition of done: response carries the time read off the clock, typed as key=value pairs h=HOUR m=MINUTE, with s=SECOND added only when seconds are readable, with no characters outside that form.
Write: h=5 m=7
